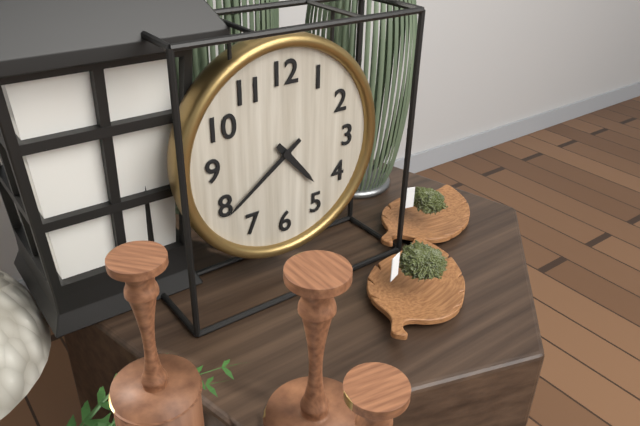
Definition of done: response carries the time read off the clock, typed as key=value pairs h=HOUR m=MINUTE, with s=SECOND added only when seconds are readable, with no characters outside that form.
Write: h=4 m=39
